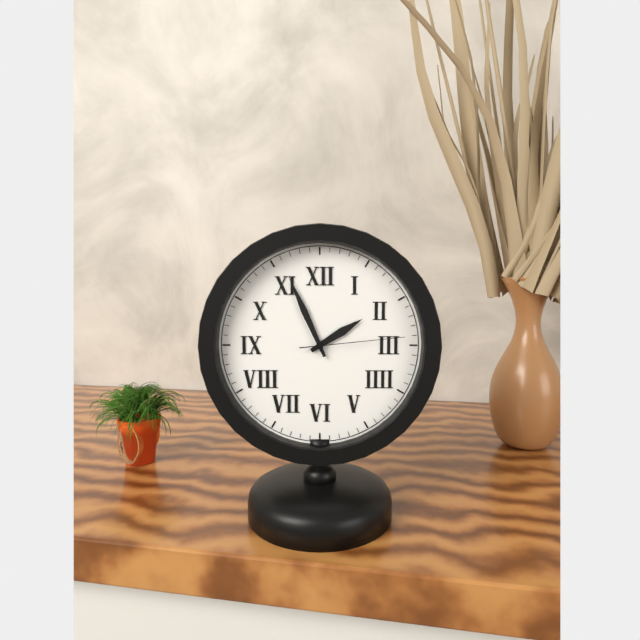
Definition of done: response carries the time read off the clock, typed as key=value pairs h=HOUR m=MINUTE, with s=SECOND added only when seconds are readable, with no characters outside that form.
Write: h=1 m=56 s=14
